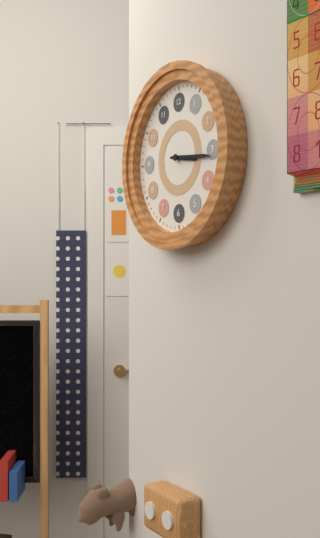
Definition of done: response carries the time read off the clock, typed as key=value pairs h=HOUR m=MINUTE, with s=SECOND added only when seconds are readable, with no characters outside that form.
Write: h=3 m=16
